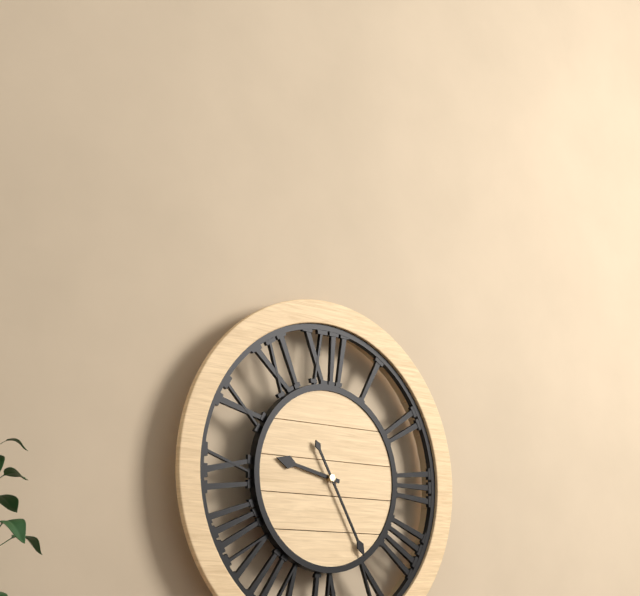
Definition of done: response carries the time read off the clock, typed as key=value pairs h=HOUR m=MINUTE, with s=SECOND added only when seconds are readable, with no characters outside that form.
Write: h=9 m=25
